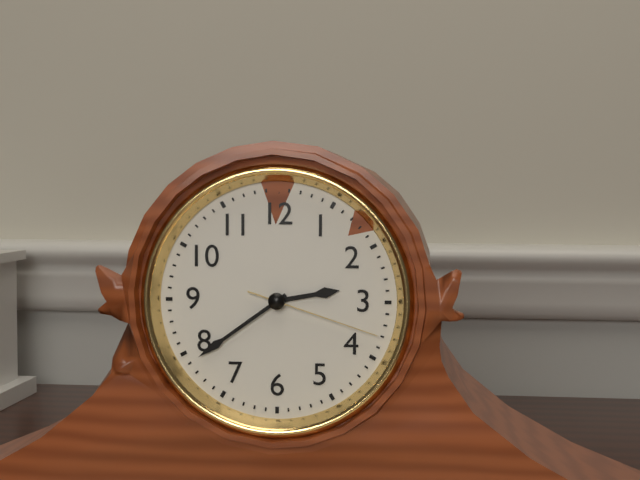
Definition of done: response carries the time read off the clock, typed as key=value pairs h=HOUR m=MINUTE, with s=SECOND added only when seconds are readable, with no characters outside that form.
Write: h=2 m=39 s=18
